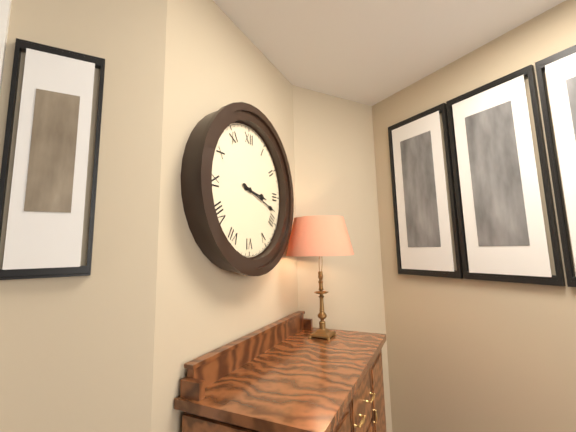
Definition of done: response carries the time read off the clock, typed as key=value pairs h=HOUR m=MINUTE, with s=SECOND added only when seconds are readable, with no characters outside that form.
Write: h=3 m=18
